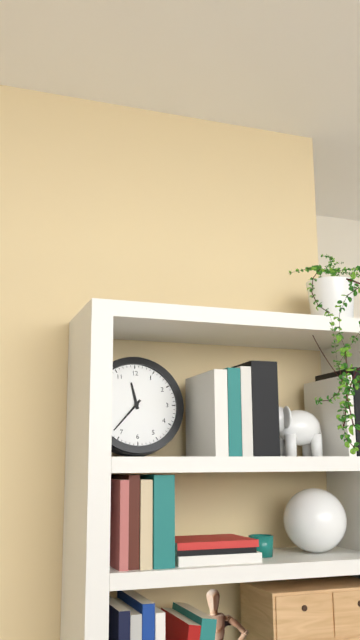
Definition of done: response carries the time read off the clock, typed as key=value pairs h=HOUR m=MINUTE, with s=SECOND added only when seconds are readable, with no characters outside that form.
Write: h=11 m=37
